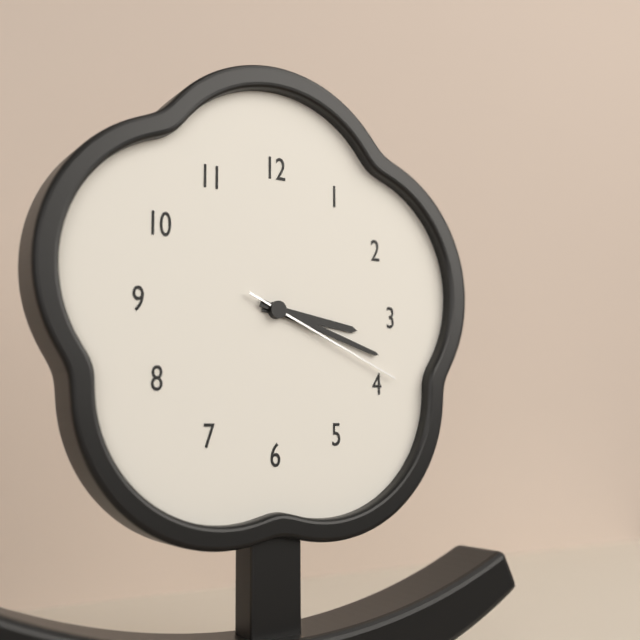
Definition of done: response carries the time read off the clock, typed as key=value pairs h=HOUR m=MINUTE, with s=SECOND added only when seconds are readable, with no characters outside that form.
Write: h=3 m=18 s=19
